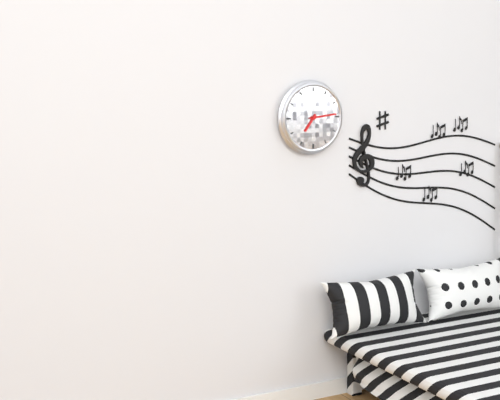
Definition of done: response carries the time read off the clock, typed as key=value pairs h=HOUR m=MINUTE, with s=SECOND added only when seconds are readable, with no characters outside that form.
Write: h=7 m=14
